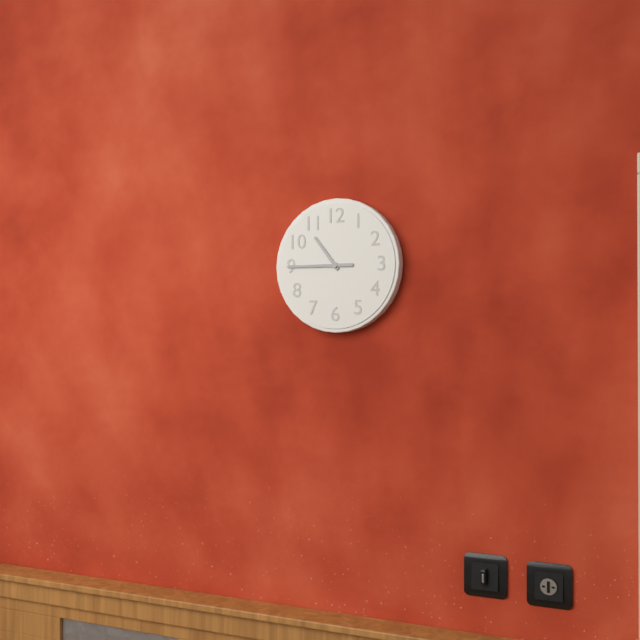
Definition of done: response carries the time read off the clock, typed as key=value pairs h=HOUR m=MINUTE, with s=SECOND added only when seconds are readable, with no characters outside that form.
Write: h=10 m=45
